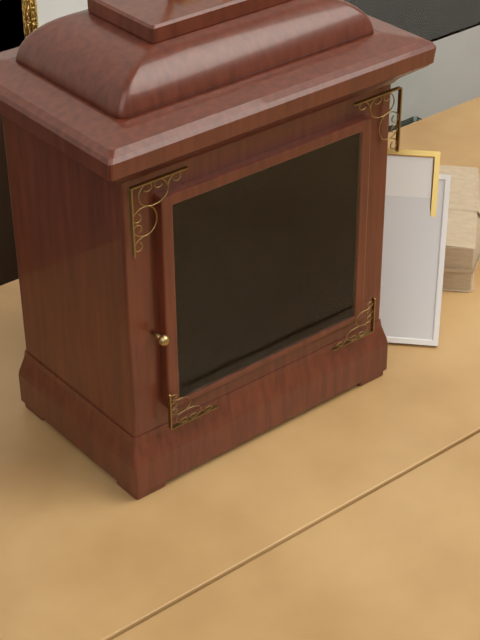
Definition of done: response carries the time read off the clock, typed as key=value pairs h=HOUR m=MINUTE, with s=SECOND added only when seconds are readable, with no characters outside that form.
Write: h=11 m=12
